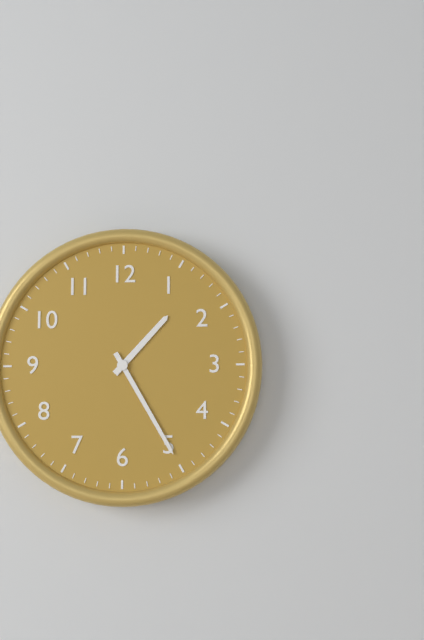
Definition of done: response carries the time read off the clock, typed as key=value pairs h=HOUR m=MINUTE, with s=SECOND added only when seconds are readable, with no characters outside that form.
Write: h=1 m=25
